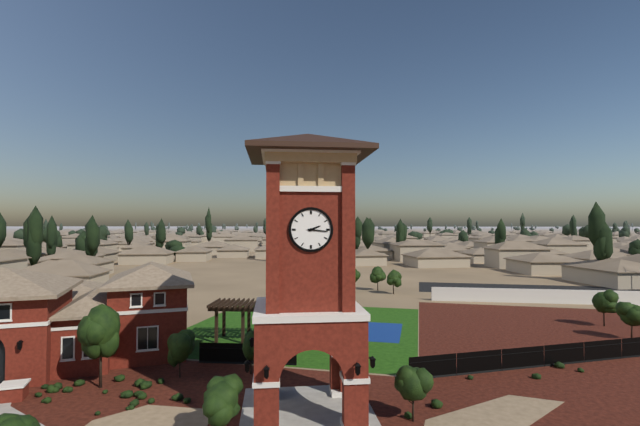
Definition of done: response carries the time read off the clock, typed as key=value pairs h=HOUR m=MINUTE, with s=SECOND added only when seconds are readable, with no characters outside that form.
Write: h=2 m=16
